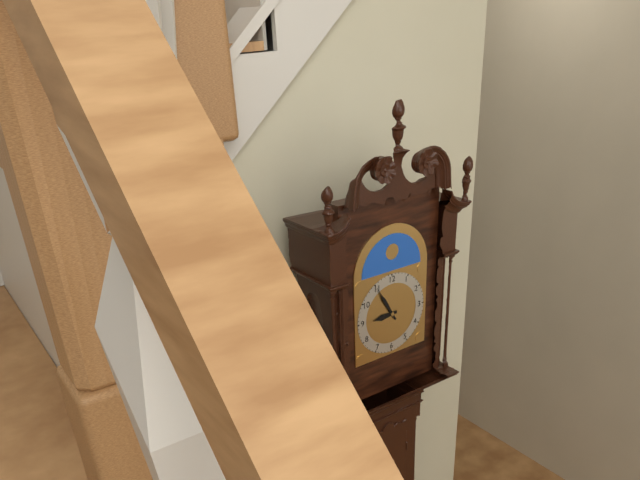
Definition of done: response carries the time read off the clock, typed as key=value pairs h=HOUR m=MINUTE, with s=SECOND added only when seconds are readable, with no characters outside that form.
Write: h=8 m=55
